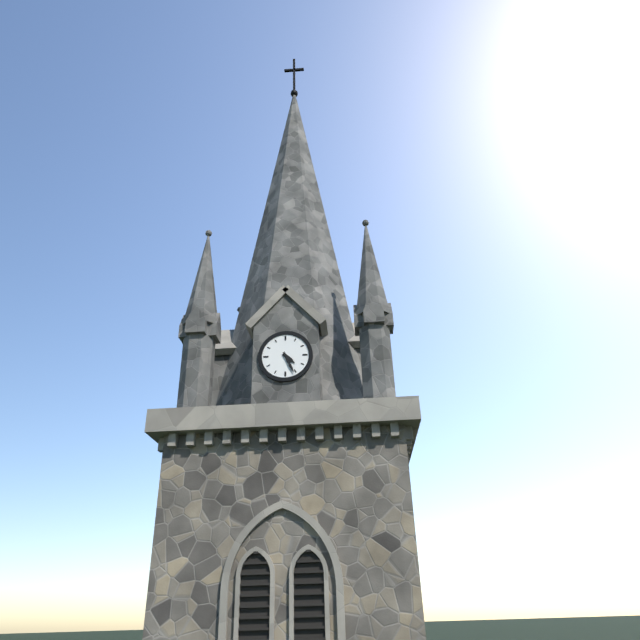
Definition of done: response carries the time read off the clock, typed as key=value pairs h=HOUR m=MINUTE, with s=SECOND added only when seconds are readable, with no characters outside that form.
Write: h=4 m=26
